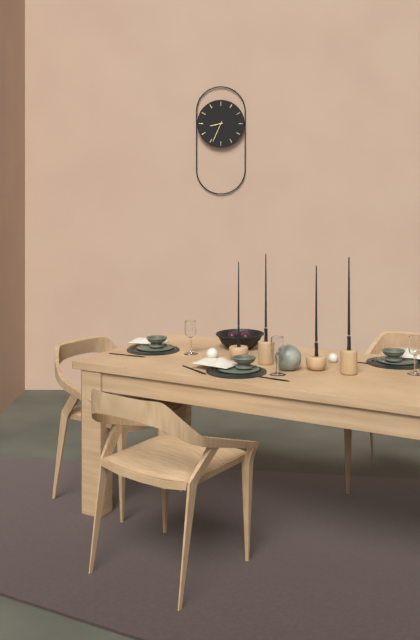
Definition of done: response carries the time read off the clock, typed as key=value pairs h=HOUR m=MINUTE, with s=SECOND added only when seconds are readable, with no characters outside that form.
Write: h=8 m=34
